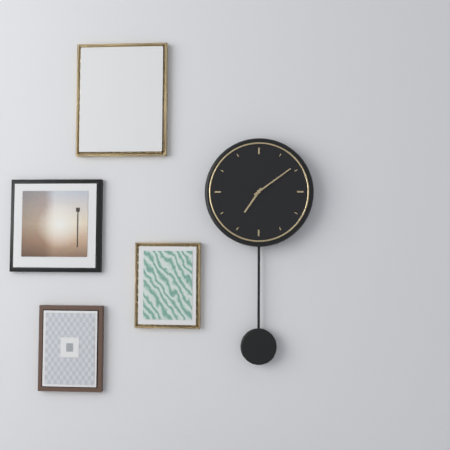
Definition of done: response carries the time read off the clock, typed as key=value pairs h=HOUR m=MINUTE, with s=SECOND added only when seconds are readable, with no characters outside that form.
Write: h=7 m=9
